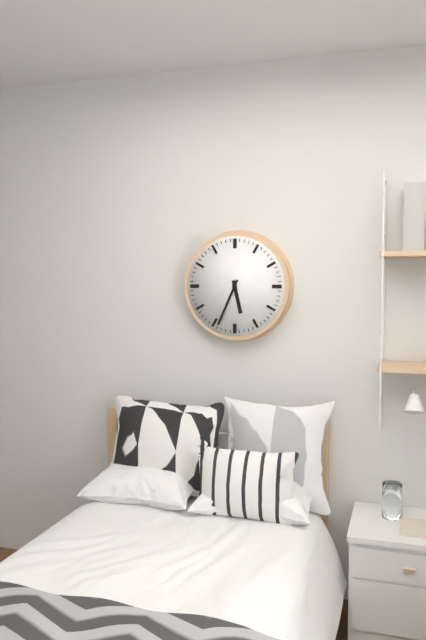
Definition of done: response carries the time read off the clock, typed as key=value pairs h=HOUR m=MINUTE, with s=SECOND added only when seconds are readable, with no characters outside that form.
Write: h=5 m=34
